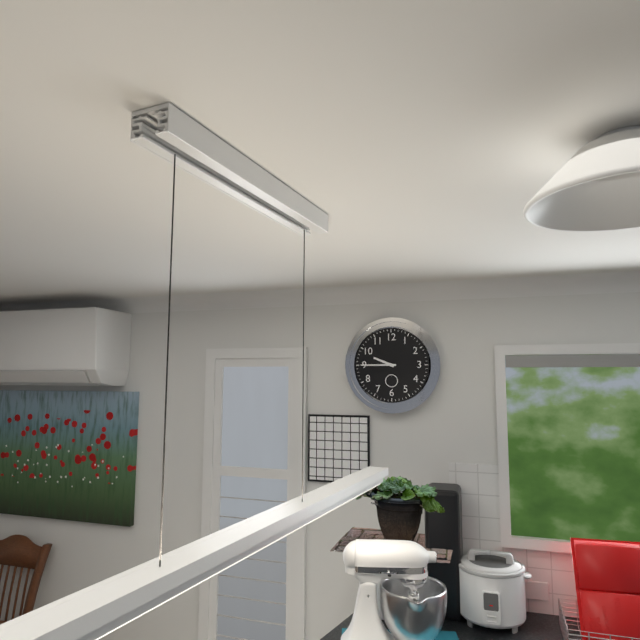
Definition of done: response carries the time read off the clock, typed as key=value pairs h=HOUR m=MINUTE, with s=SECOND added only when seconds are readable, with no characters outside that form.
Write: h=9 m=45
